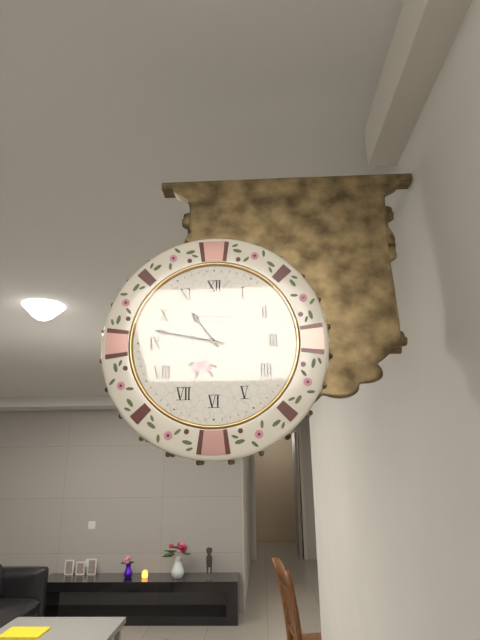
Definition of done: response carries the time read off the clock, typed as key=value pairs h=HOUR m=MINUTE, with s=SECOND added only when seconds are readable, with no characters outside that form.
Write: h=10 m=47
